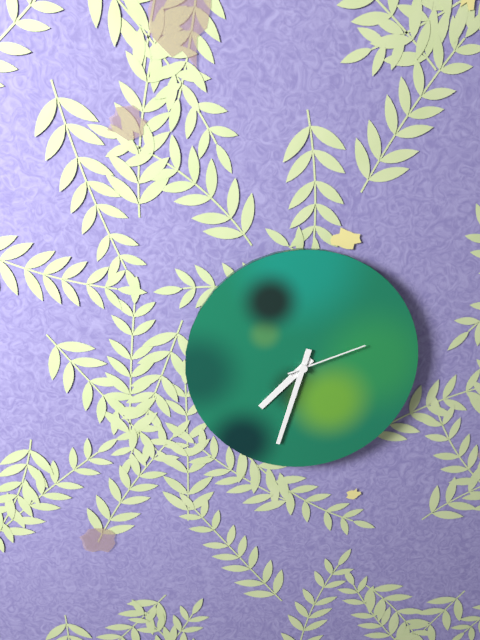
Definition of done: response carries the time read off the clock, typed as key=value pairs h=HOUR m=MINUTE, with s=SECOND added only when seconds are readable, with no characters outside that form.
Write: h=7 m=33 s=12
